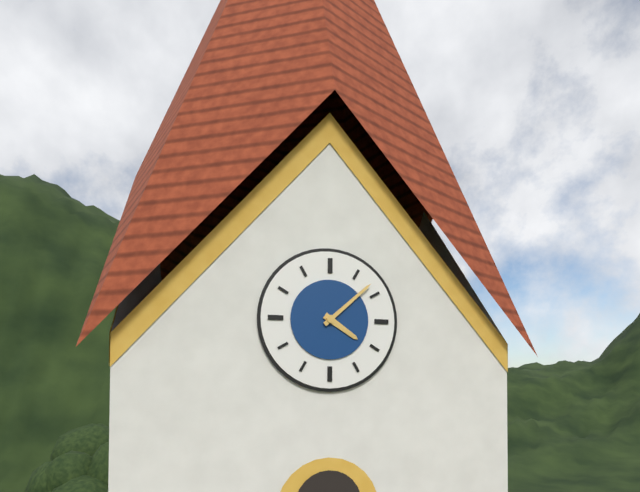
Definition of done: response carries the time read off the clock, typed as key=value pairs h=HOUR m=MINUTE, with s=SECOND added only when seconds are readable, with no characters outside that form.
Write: h=4 m=8
